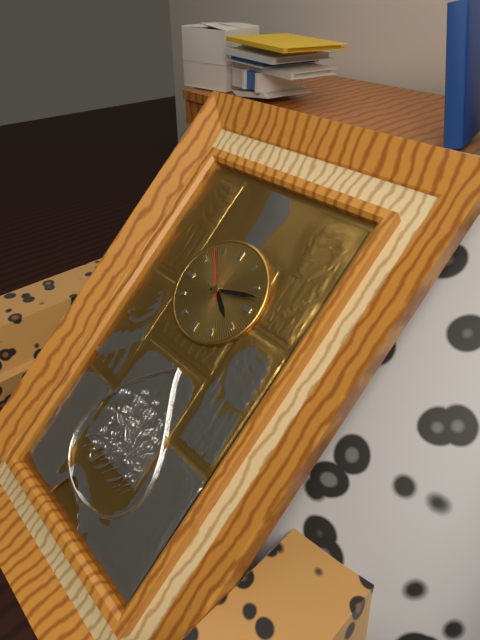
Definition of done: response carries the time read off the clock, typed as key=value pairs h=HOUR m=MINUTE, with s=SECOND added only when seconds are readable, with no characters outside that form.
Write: h=4 m=12 s=53
